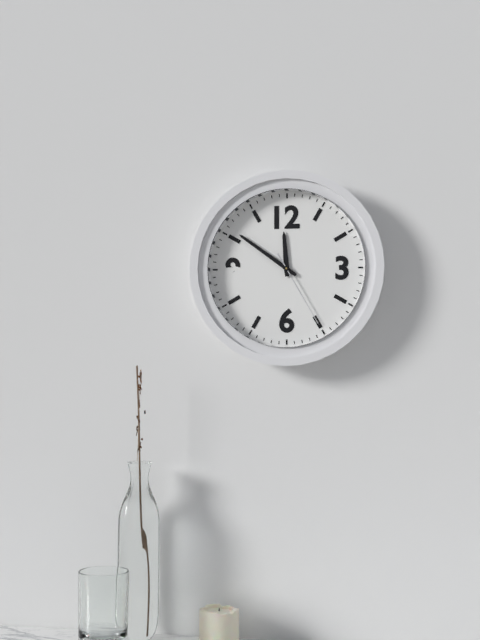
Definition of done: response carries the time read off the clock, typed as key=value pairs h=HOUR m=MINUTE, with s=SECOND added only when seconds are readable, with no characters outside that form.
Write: h=11 m=51 s=25
